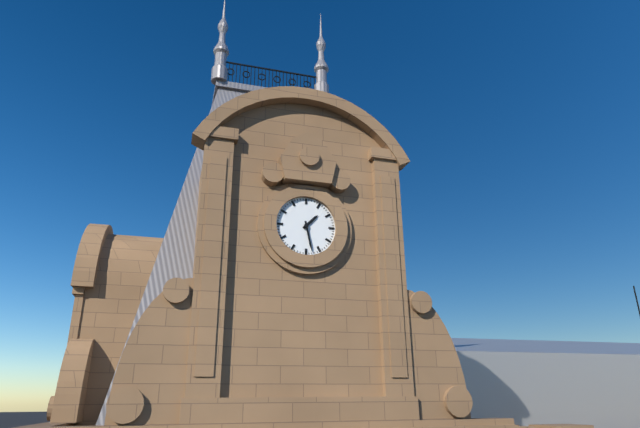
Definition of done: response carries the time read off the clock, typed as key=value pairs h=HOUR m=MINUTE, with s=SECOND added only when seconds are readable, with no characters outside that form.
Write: h=1 m=28
